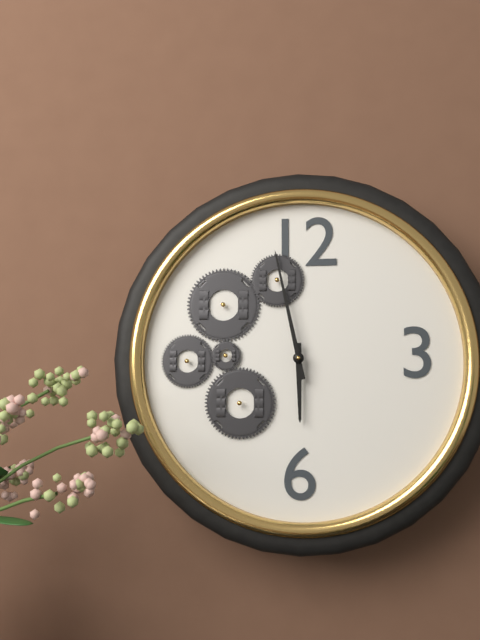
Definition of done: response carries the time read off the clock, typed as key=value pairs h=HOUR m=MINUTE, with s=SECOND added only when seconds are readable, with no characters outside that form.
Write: h=5 m=58
